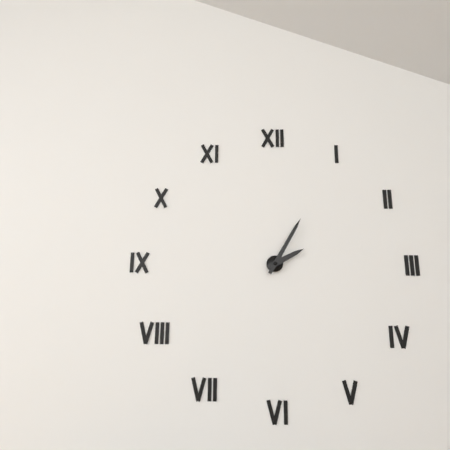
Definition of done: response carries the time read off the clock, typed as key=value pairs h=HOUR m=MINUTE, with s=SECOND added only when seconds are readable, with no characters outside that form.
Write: h=2 m=5
